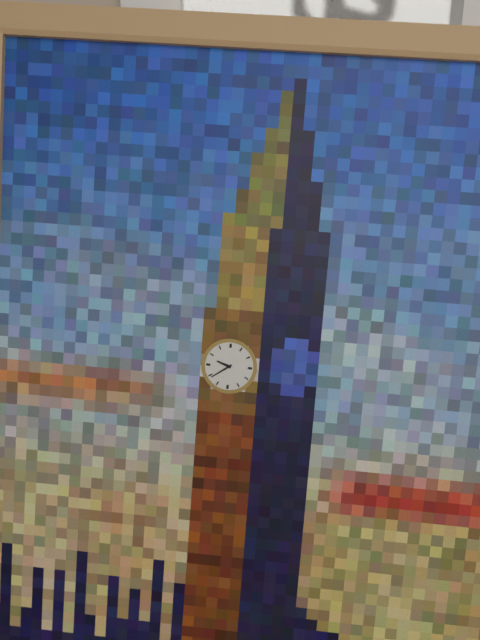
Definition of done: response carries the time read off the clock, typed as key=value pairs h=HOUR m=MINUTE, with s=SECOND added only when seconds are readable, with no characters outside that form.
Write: h=9 m=39
